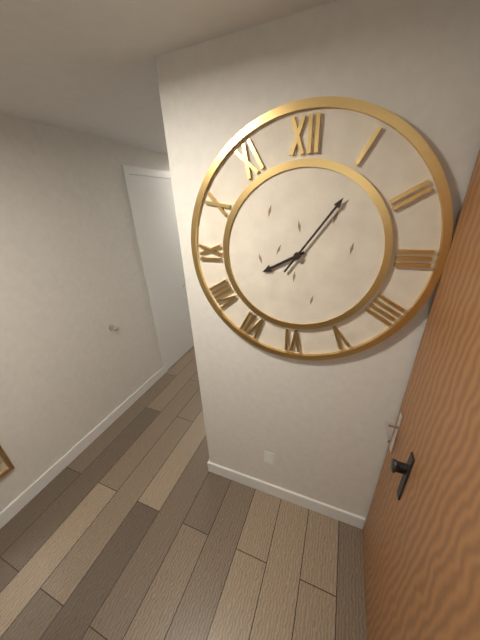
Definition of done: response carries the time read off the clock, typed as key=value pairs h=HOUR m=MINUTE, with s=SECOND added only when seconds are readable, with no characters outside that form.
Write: h=8 m=6
